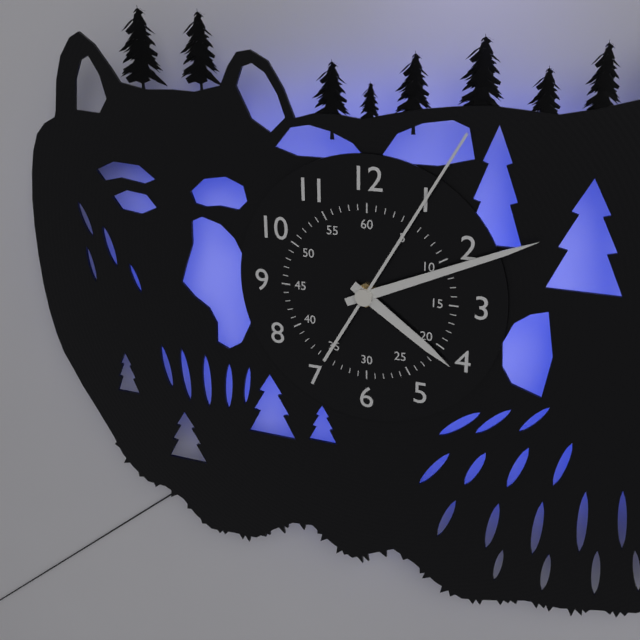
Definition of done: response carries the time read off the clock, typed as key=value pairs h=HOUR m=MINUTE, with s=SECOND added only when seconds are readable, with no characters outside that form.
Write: h=4 m=11 s=5
